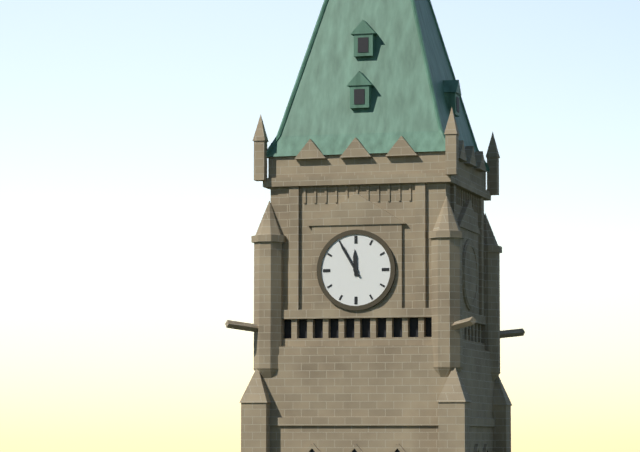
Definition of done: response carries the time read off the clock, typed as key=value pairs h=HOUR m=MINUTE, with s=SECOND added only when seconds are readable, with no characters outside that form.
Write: h=11 m=55
